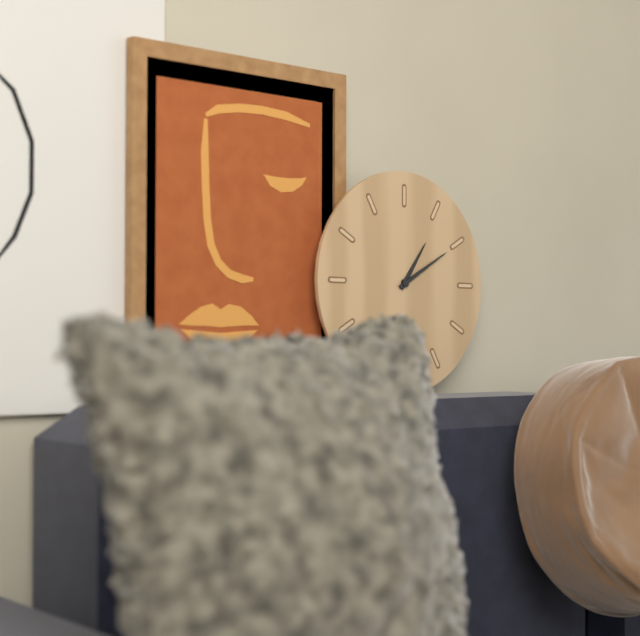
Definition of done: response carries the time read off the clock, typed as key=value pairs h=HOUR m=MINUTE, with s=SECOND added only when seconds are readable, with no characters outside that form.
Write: h=1 m=10
